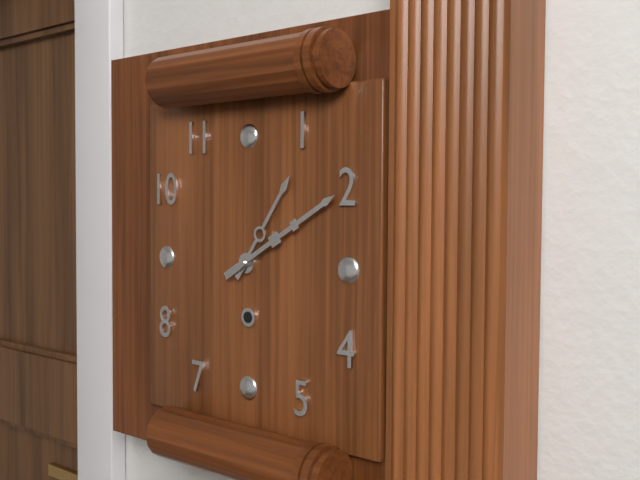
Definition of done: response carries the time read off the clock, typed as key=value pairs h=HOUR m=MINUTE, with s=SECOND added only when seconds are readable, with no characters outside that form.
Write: h=1 m=10
